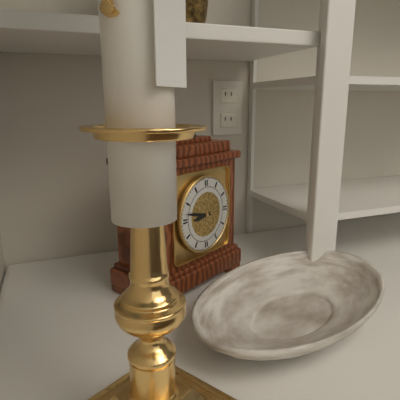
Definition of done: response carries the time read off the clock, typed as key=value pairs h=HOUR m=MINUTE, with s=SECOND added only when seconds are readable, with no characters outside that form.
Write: h=8 m=47
